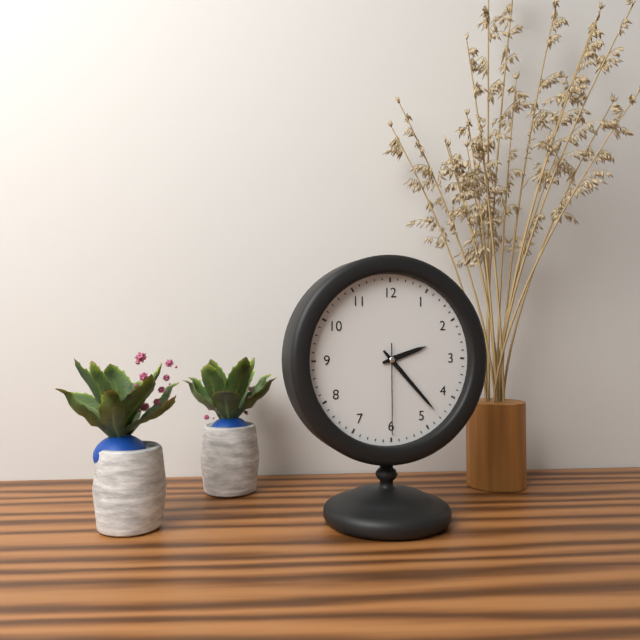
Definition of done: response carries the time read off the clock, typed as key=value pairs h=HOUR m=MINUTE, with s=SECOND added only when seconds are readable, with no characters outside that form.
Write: h=2 m=23 s=30
